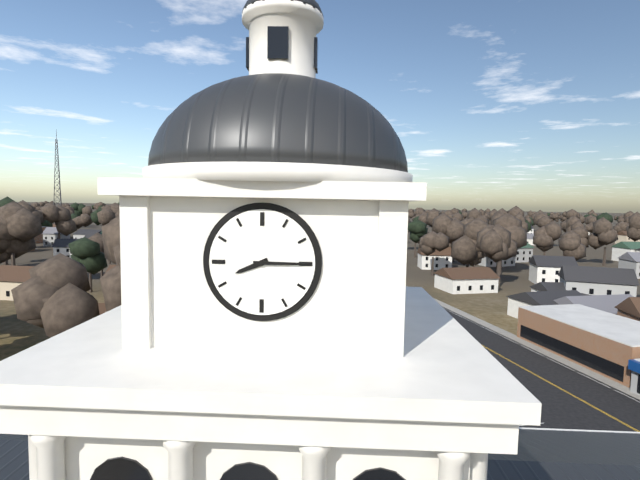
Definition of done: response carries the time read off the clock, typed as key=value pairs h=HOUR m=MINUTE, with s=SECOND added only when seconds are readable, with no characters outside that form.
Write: h=8 m=15
